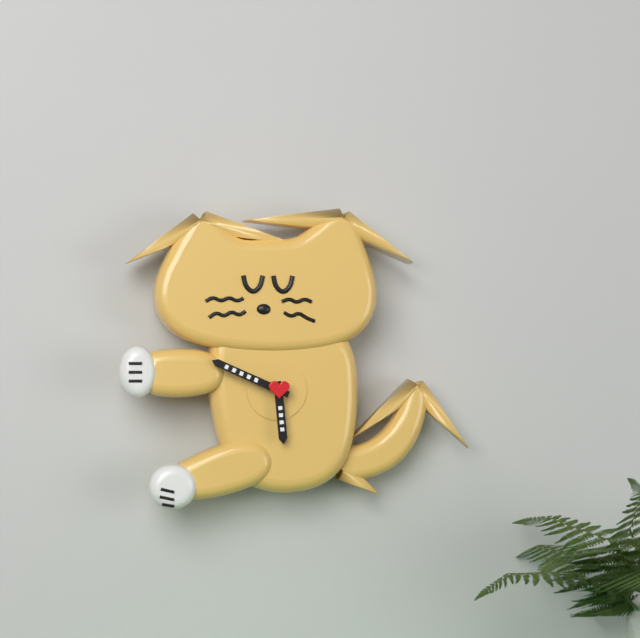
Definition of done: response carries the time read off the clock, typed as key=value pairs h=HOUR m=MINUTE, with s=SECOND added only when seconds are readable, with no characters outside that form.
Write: h=5 m=49
